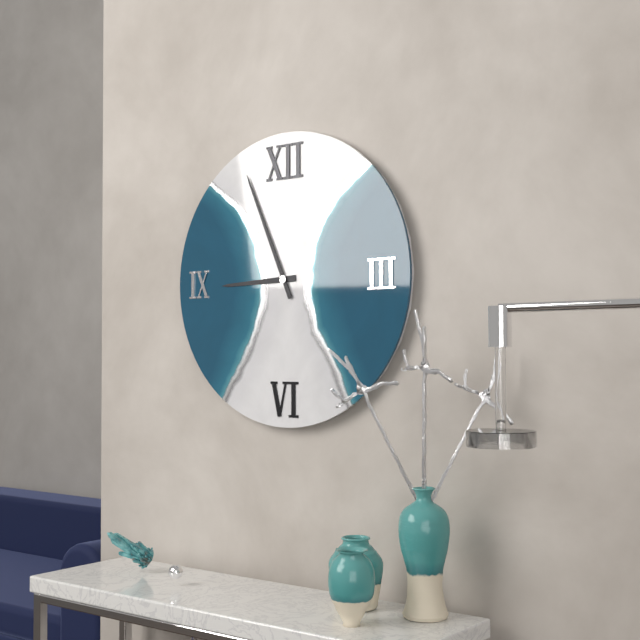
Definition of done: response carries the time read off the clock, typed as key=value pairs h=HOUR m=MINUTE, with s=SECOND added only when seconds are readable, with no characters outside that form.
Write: h=8 m=56
